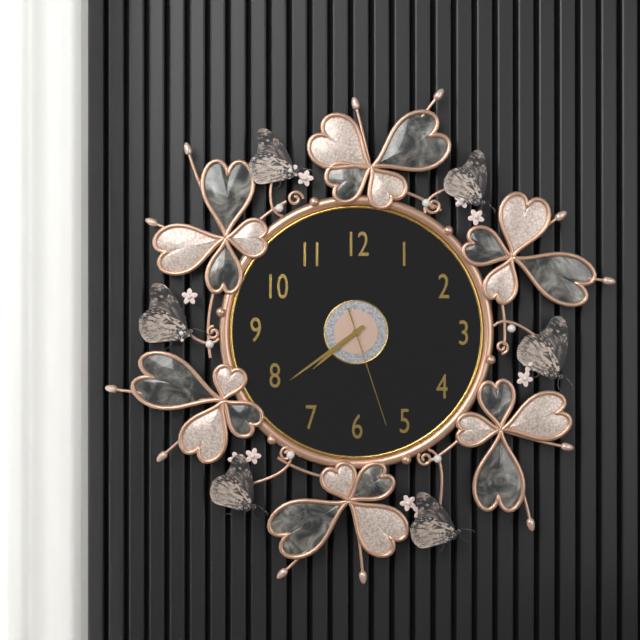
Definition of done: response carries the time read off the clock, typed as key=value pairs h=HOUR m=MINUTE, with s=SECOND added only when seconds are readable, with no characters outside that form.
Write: h=7 m=39 s=27
